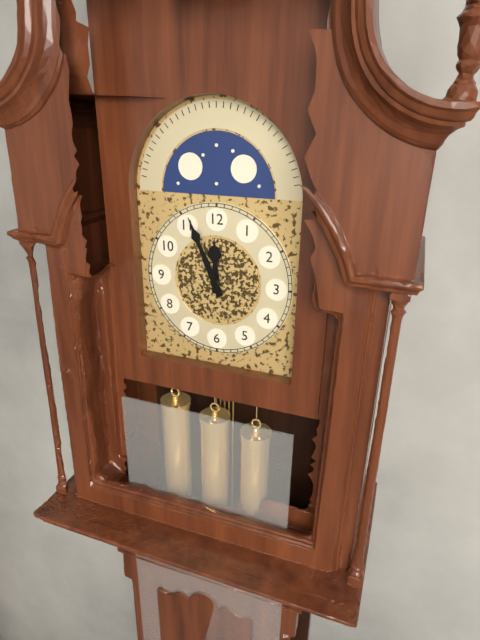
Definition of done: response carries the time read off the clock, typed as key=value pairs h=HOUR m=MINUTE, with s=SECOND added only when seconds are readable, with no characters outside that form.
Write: h=11 m=56
